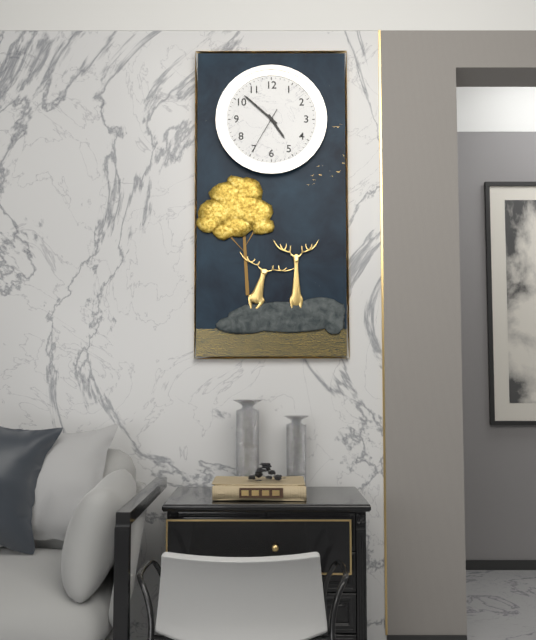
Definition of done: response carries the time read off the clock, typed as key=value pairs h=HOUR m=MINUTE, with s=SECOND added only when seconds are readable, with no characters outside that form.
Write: h=4 m=52
